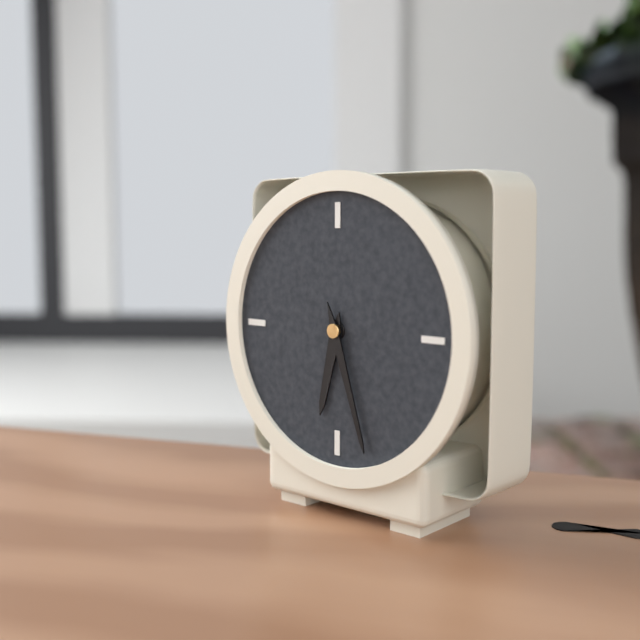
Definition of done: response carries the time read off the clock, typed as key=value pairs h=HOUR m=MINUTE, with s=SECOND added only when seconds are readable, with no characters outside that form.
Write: h=6 m=27
